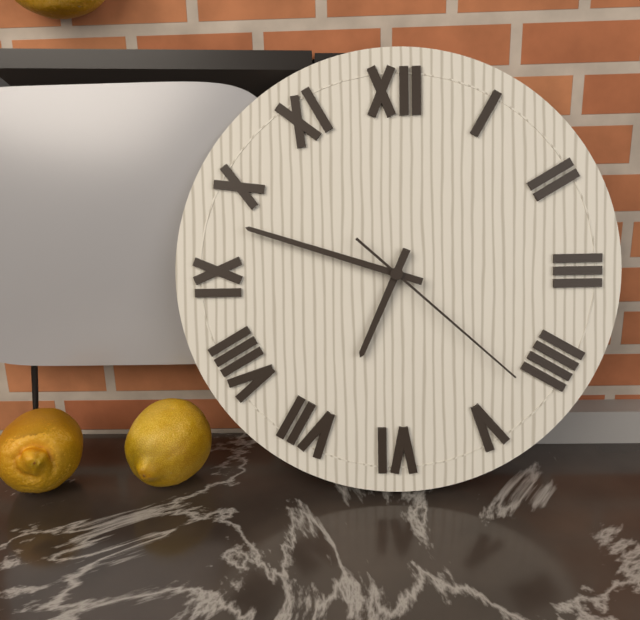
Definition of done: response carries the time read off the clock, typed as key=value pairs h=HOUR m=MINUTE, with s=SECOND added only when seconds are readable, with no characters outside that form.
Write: h=6 m=48 s=22
